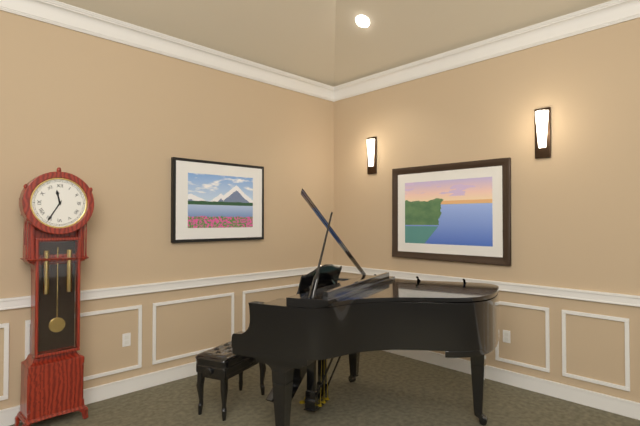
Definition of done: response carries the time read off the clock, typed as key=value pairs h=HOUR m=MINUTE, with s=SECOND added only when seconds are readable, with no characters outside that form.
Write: h=11 m=35
